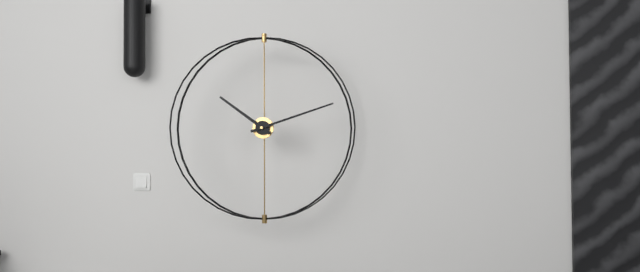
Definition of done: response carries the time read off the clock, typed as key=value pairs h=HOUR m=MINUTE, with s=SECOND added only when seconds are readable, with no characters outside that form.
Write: h=10 m=12
